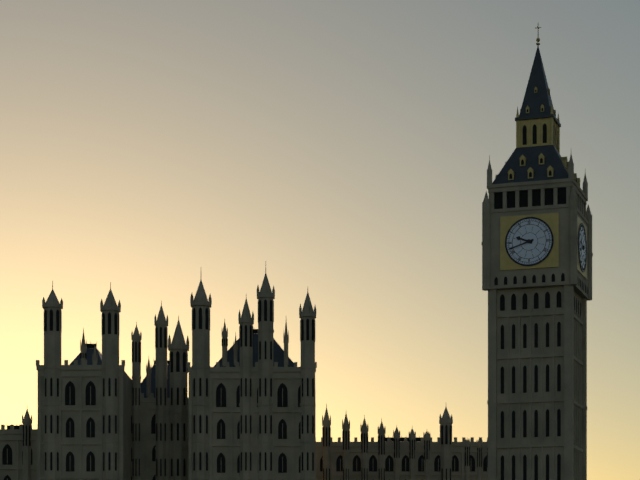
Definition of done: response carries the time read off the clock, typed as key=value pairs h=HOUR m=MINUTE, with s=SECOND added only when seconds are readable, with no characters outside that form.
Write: h=9 m=42
